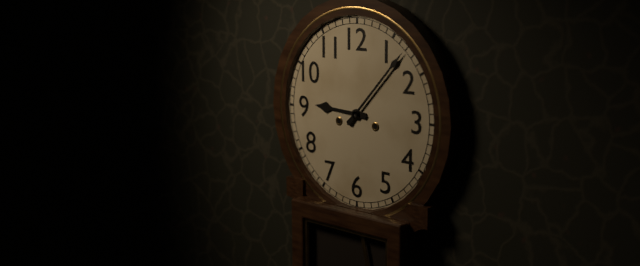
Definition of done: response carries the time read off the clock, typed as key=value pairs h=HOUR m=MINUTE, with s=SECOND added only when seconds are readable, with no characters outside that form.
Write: h=9 m=7
